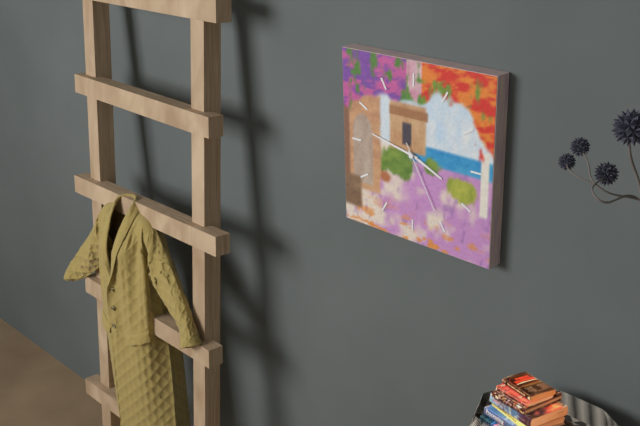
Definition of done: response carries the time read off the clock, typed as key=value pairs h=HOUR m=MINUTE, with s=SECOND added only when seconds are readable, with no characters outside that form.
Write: h=3 m=47 s=25
